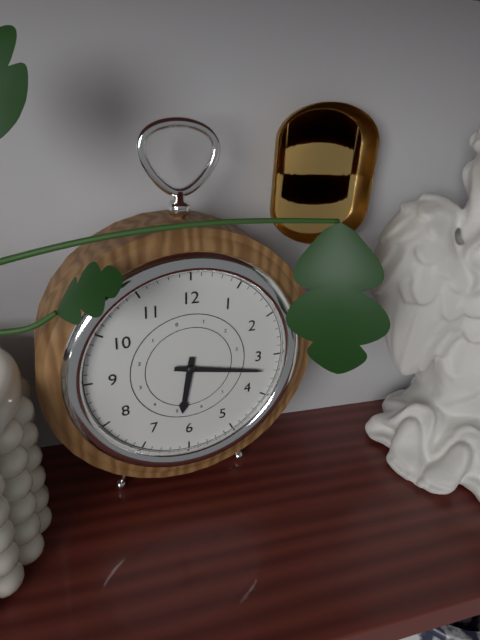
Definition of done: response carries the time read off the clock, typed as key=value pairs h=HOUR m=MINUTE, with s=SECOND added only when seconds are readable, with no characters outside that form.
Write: h=6 m=17
